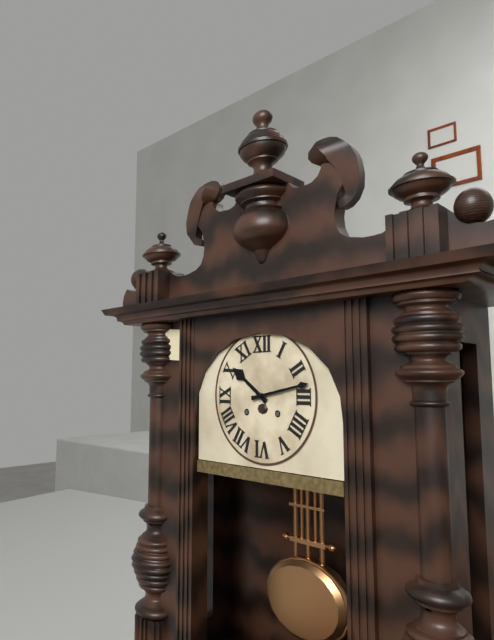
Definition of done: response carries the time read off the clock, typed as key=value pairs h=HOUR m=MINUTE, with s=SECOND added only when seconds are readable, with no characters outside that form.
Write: h=10 m=13
